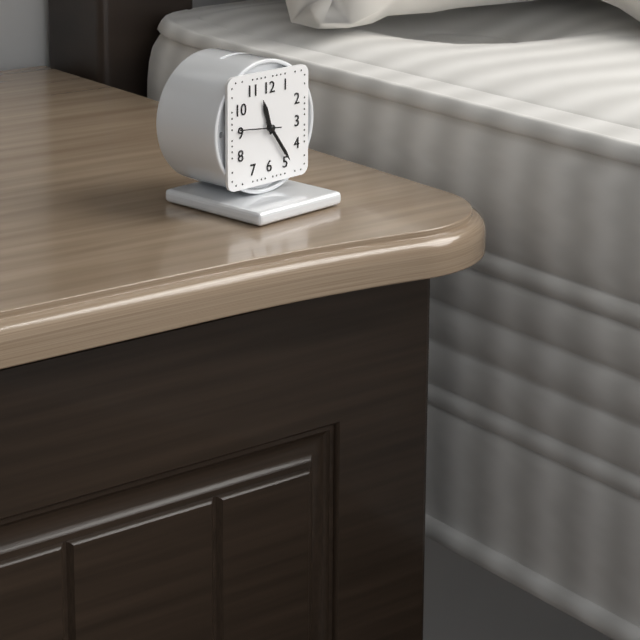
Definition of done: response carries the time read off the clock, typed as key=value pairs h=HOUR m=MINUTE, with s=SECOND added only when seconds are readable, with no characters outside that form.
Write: h=11 m=24
